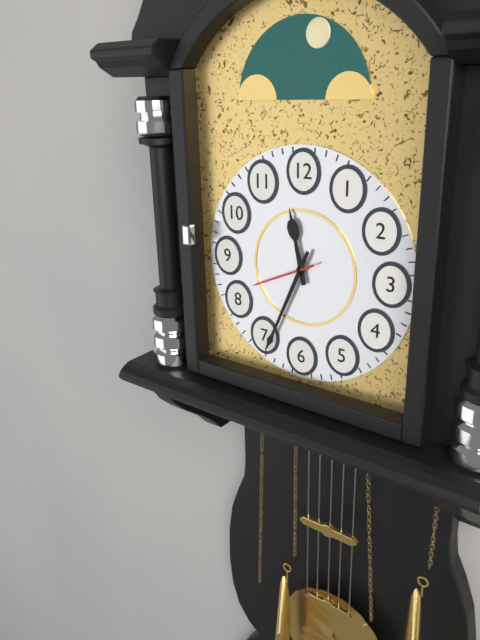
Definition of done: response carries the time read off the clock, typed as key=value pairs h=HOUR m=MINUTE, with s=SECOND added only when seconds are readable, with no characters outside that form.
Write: h=11 m=34 s=41
